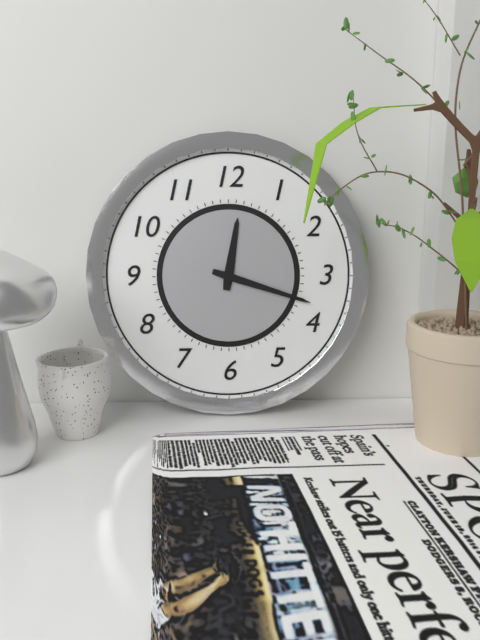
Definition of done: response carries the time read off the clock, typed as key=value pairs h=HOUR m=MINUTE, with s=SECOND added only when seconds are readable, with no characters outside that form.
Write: h=12 m=18
